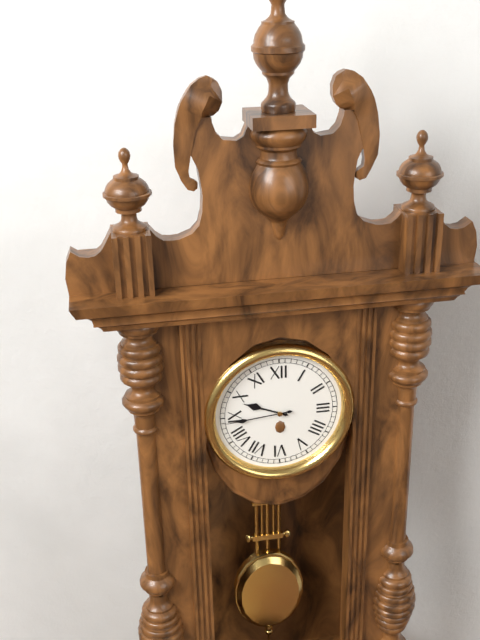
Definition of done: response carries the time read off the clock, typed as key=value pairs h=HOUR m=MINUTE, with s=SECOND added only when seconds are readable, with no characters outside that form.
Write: h=9 m=44
